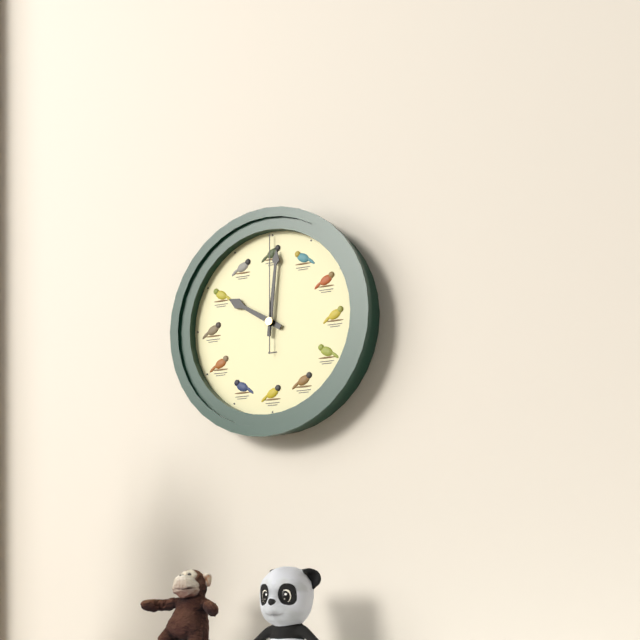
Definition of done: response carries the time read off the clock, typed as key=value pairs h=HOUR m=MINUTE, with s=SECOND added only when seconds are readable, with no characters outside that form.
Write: h=10 m=1 s=0
